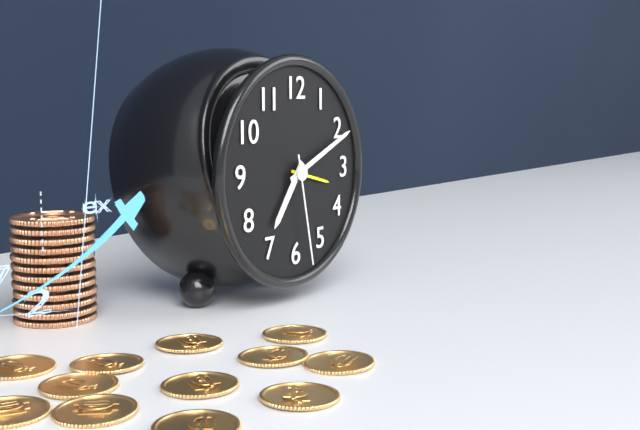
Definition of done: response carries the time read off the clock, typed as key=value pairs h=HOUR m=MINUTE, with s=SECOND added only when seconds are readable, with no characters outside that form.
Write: h=7 m=11 s=28
